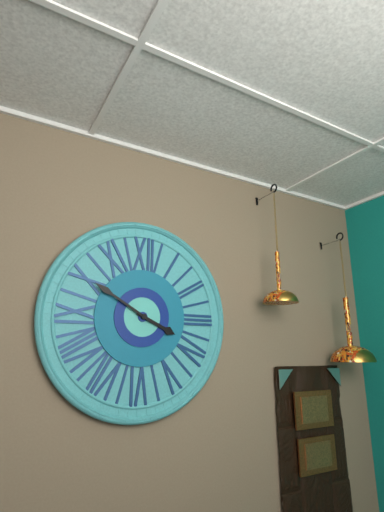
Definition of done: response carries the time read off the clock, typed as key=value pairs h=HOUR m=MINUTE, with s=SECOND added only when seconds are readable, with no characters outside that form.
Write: h=3 m=50
